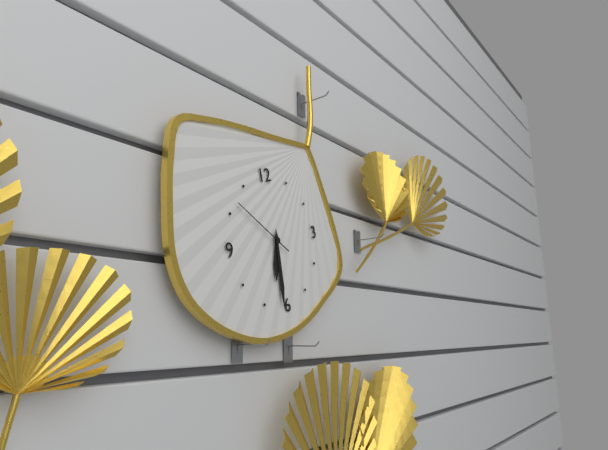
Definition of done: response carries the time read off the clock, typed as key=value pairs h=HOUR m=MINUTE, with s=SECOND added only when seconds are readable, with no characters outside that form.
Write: h=6 m=31 s=52
